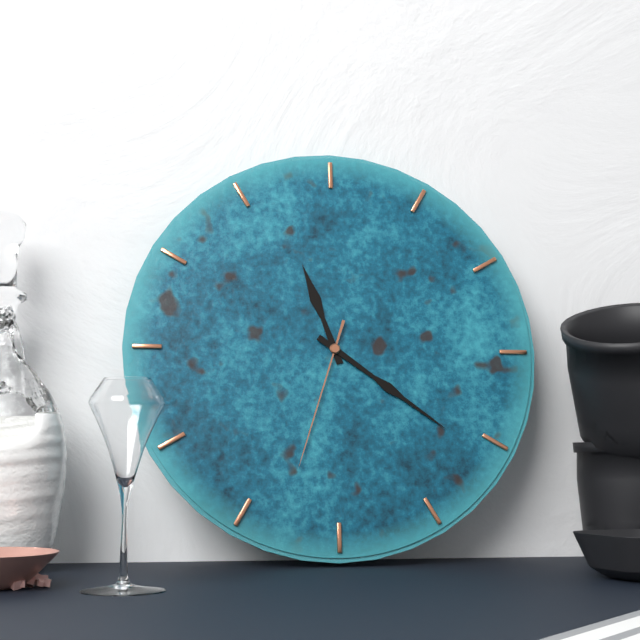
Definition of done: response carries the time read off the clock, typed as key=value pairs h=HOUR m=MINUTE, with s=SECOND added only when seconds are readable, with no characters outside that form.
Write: h=11 m=21 s=33
